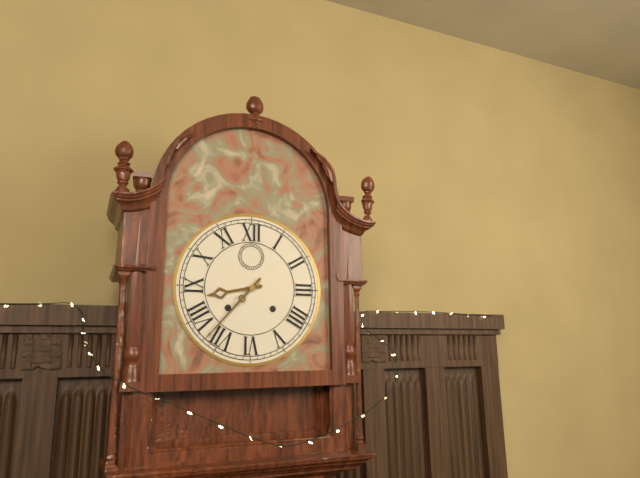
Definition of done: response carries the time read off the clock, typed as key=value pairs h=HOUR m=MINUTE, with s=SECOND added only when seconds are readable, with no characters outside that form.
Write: h=8 m=37
